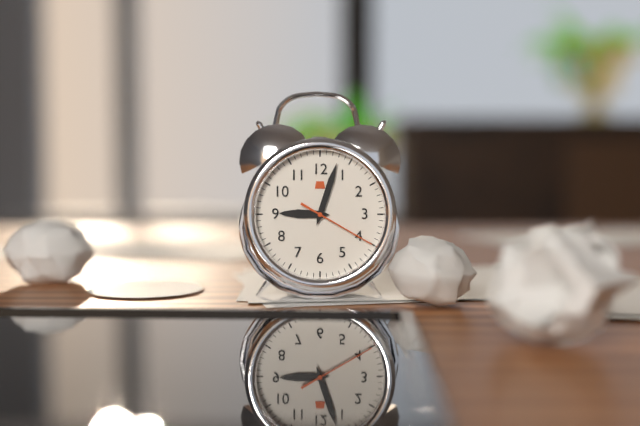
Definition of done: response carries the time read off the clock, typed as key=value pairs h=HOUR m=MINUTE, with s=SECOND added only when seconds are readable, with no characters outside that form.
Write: h=9 m=3 s=20
